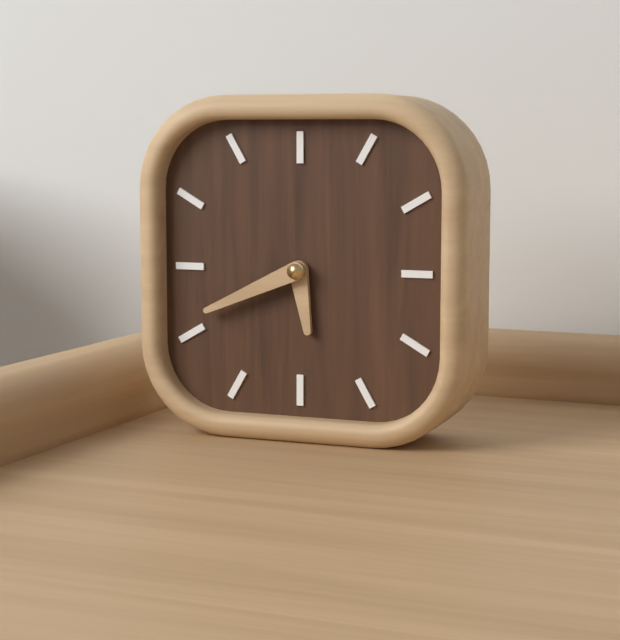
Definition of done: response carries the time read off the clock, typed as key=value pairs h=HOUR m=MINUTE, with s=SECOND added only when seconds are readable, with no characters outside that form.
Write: h=5 m=41
